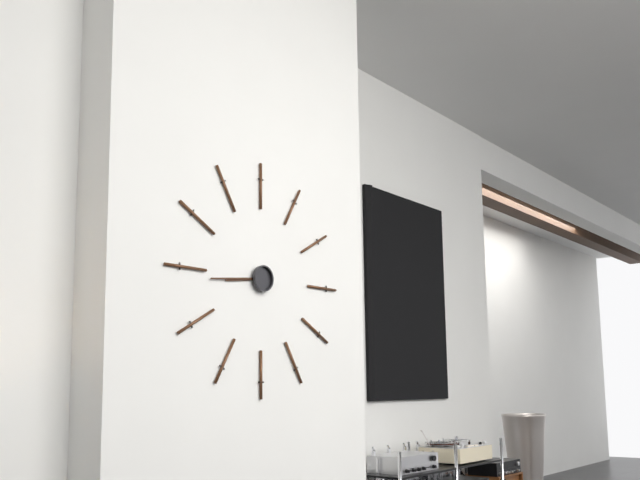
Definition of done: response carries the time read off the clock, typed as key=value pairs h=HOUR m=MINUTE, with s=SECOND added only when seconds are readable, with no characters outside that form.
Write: h=8 m=44
